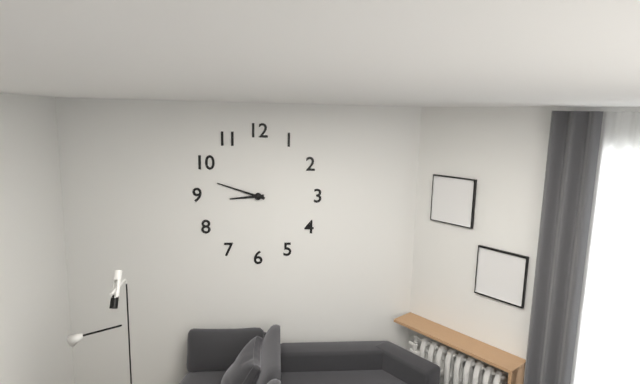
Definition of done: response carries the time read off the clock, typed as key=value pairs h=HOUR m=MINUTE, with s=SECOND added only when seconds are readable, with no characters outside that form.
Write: h=8 m=48
